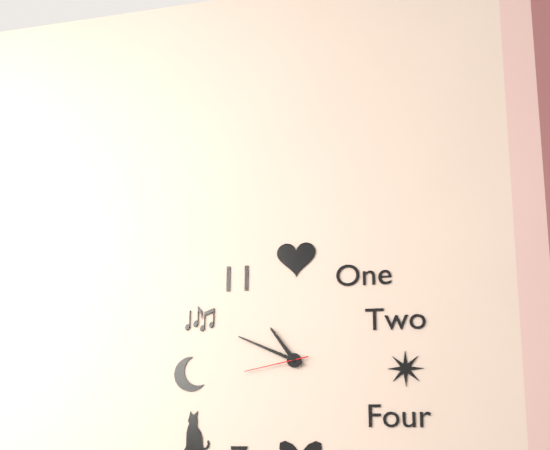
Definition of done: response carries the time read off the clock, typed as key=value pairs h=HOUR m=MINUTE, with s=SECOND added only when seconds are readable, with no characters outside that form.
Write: h=10 m=49 s=43
